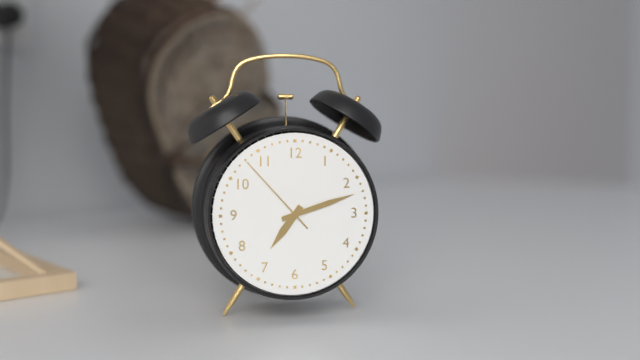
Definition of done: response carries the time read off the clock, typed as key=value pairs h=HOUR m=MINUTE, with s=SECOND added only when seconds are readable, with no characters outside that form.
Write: h=7 m=12 s=53
